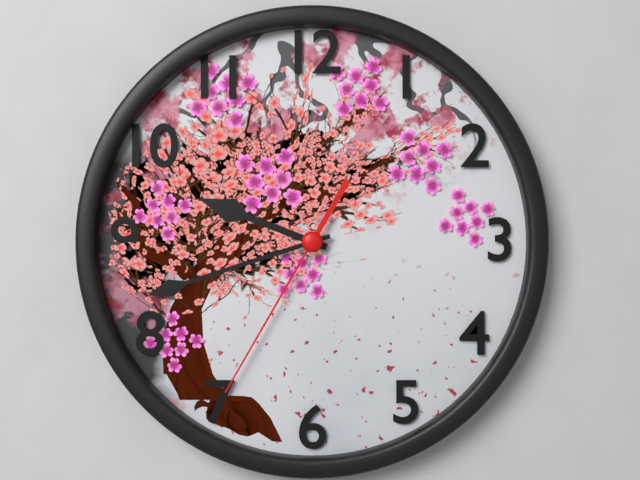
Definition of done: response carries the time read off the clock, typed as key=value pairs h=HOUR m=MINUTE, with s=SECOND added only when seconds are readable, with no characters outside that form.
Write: h=9 m=42 s=35
